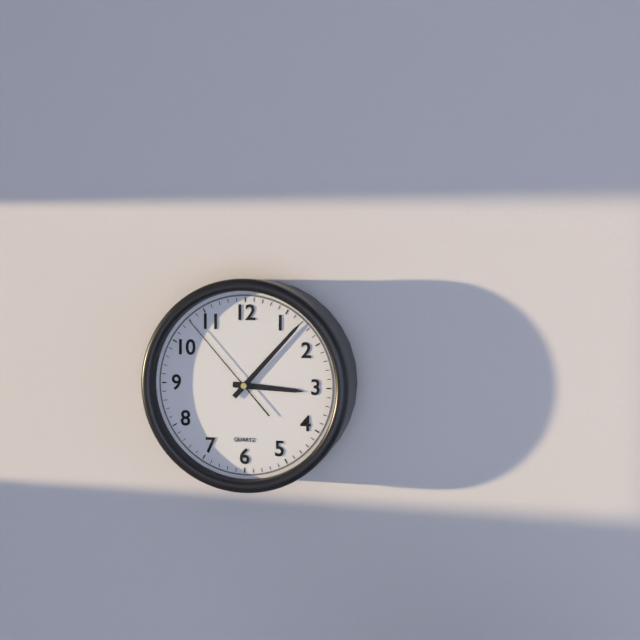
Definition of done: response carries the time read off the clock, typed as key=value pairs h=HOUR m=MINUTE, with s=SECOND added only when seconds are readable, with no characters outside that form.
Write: h=3 m=7 s=53
